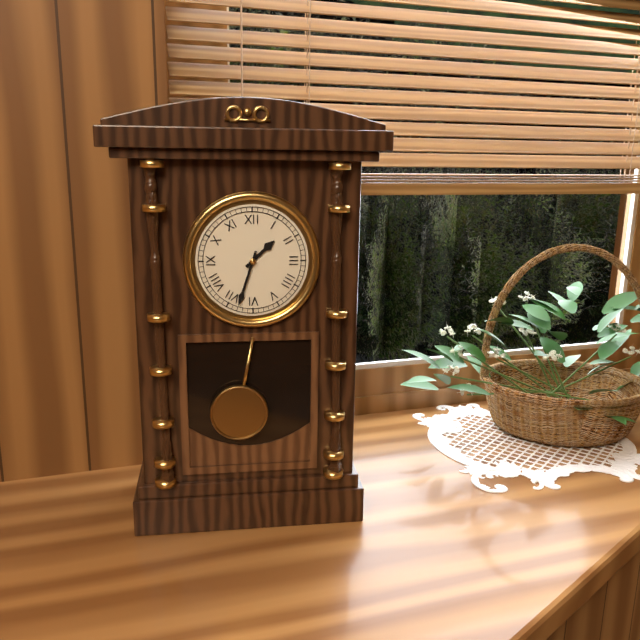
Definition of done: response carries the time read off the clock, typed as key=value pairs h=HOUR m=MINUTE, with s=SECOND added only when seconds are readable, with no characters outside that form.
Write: h=1 m=33
